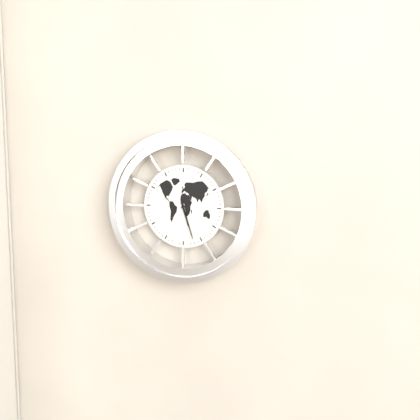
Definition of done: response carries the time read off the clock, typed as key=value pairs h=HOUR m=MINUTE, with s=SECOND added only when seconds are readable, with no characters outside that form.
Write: h=5 m=27
